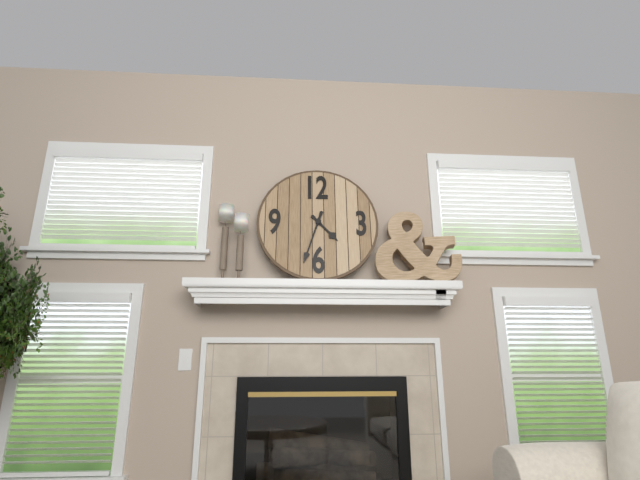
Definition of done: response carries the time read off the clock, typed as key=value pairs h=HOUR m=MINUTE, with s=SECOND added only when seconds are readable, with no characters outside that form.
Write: h=4 m=33
